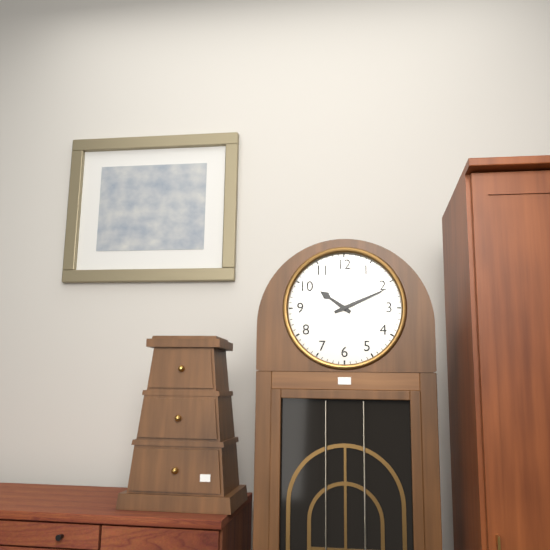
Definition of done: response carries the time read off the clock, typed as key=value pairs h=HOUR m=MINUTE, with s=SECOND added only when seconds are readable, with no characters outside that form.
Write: h=10 m=11
